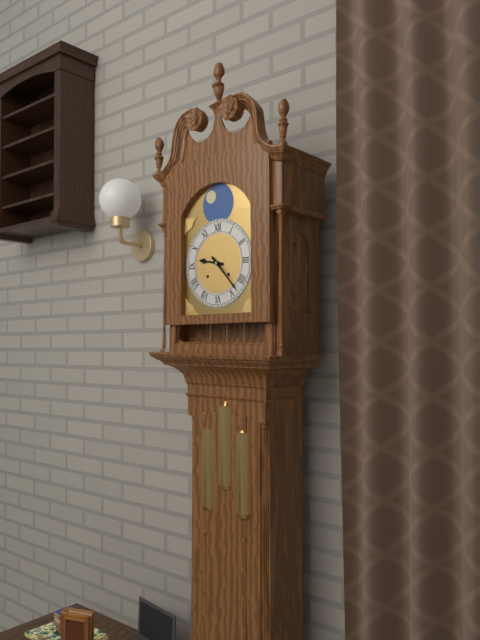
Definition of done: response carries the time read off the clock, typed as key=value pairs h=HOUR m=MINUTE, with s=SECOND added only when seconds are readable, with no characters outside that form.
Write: h=9 m=23
